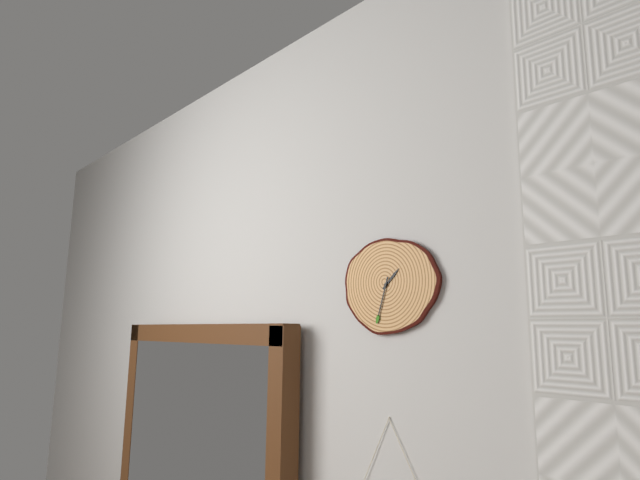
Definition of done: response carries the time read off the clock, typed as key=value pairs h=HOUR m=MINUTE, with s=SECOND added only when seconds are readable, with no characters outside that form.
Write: h=1 m=33
